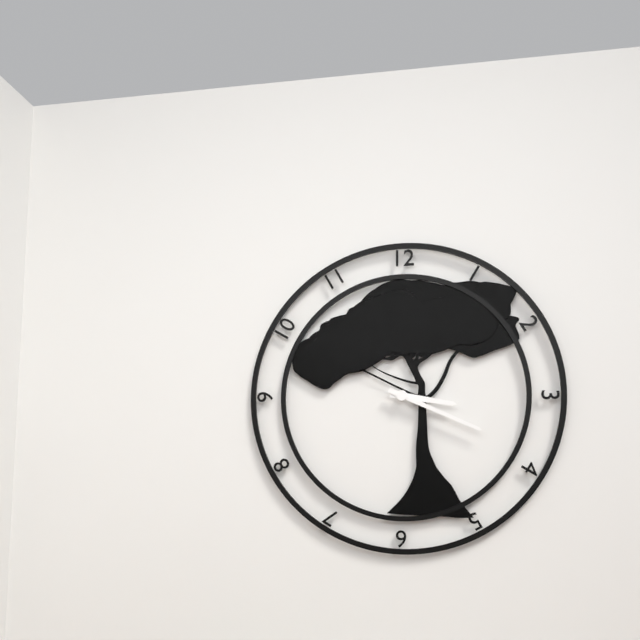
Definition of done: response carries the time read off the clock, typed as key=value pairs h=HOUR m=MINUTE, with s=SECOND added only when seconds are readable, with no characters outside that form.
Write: h=3 m=19
